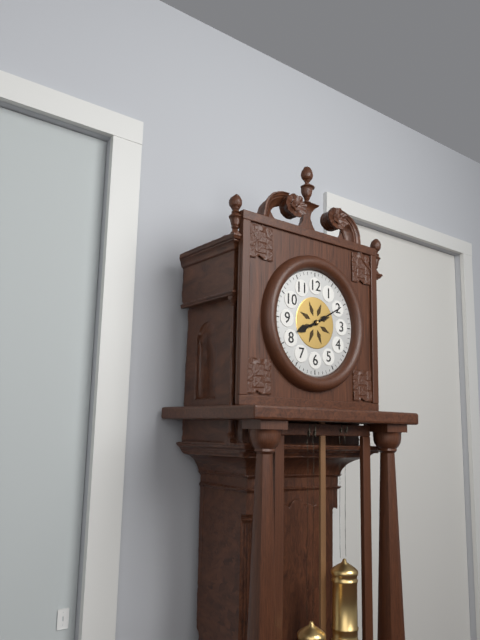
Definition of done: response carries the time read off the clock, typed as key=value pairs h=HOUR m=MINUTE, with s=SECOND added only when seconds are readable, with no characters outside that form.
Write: h=8 m=10
